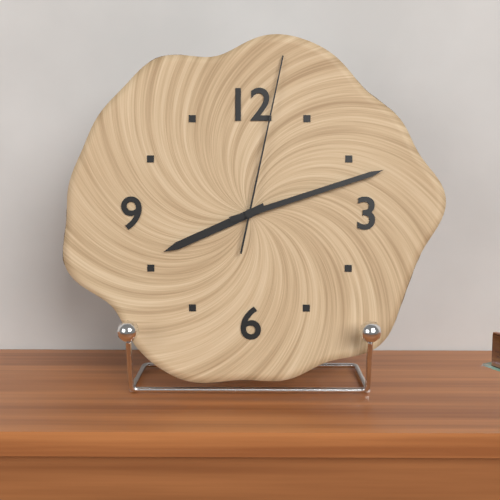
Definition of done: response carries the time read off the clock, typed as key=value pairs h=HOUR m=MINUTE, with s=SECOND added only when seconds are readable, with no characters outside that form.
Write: h=8 m=12 s=2
